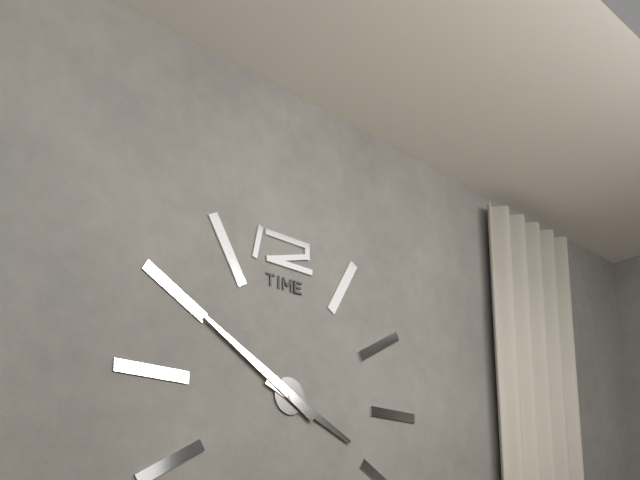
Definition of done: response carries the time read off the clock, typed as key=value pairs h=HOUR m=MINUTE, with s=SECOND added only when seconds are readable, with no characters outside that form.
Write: h=3 m=50
